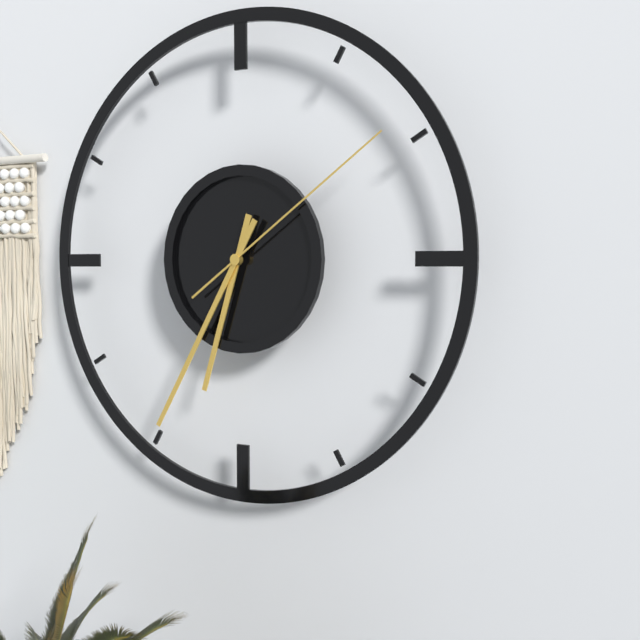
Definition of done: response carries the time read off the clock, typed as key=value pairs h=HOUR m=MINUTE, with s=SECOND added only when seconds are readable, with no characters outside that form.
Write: h=6 m=35 s=9
